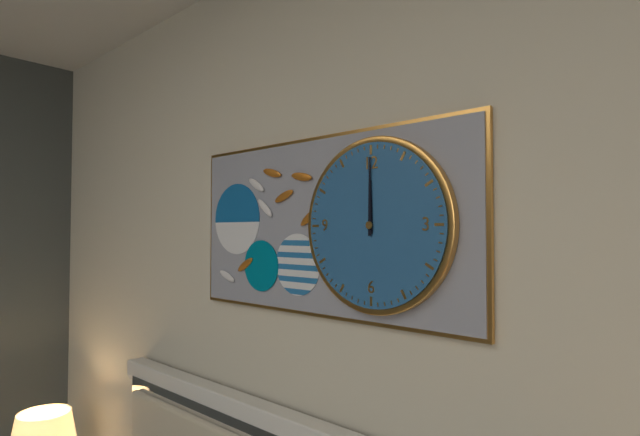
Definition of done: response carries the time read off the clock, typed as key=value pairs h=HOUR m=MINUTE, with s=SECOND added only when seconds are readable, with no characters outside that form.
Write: h=12 m=0
